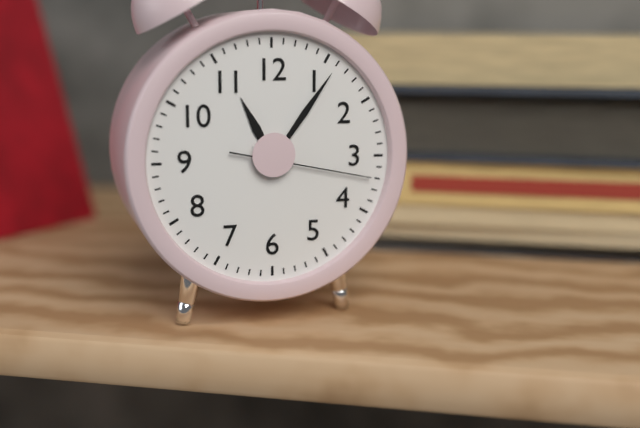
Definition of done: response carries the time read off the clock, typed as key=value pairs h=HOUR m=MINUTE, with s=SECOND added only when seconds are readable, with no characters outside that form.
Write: h=11 m=6 s=17
